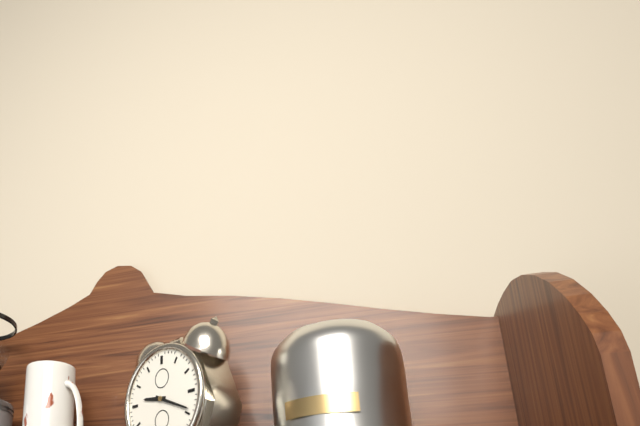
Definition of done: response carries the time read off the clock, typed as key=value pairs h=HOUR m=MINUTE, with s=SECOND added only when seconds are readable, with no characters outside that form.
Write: h=9 m=19
